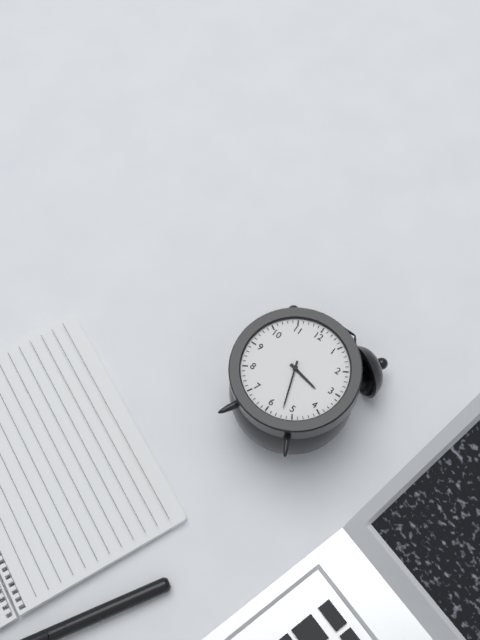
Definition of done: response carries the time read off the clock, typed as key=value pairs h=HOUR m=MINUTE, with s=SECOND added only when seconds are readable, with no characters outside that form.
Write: h=3 m=27
